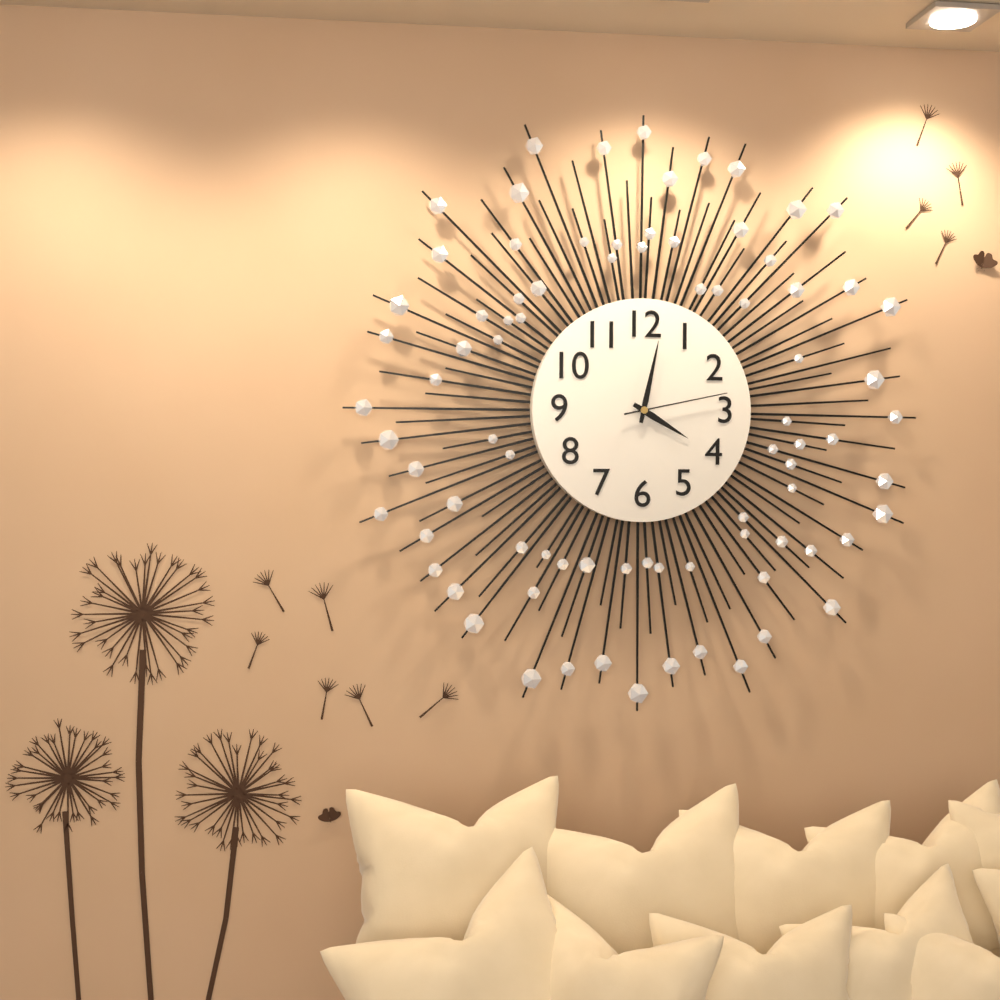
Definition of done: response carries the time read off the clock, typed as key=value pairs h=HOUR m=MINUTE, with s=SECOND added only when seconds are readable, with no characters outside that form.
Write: h=4 m=2 s=13
